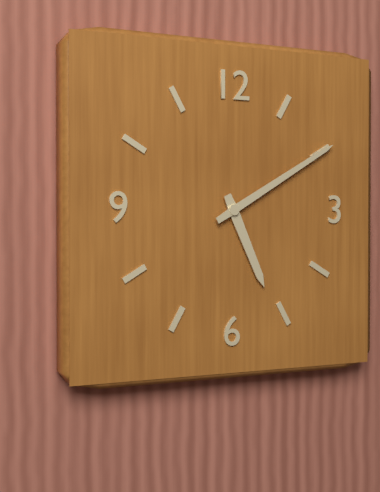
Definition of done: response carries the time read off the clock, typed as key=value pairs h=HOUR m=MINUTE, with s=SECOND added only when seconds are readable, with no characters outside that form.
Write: h=5 m=10
